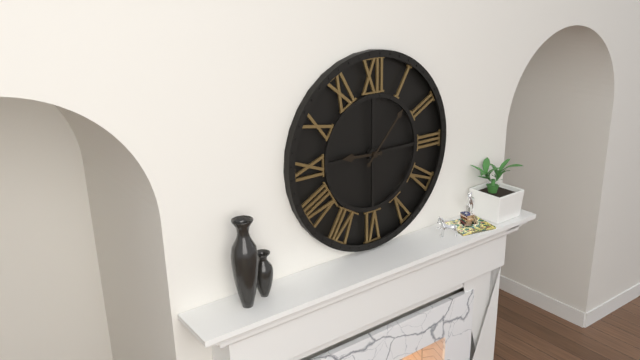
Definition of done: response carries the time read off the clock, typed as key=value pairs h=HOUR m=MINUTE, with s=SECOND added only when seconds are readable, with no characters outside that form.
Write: h=9 m=7
